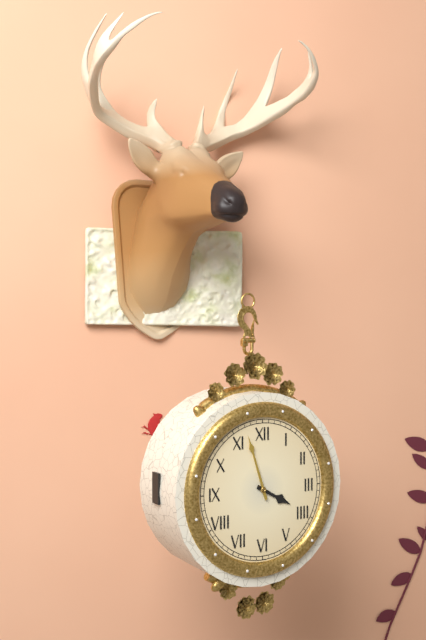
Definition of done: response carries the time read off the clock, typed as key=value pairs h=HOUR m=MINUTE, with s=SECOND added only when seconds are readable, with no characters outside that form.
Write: h=3 m=57
